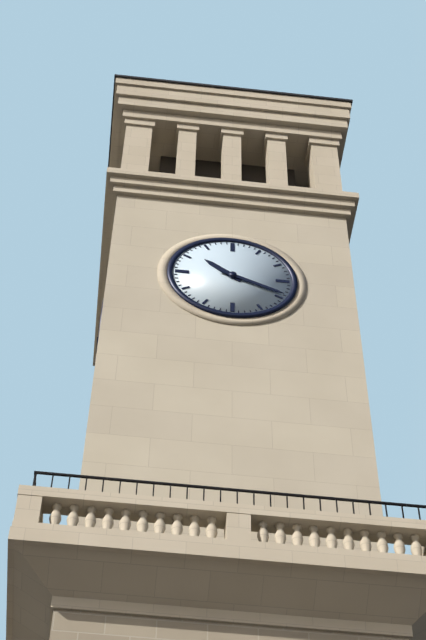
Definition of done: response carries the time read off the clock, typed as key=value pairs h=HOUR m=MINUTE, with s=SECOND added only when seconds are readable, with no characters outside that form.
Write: h=10 m=19
